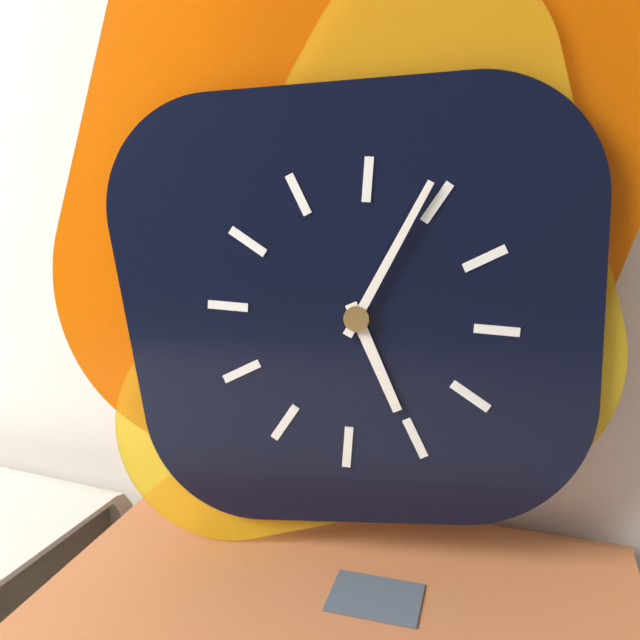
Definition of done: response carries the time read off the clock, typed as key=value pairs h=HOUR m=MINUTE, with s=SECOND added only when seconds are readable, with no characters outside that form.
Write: h=5 m=4
